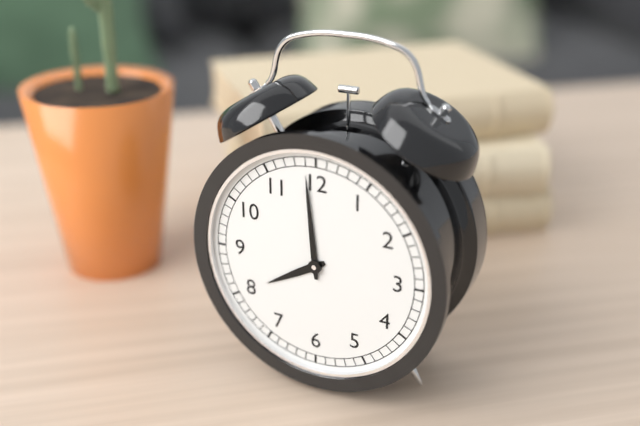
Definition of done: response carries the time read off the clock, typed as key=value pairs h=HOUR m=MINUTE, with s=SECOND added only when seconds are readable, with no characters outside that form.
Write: h=7 m=59
